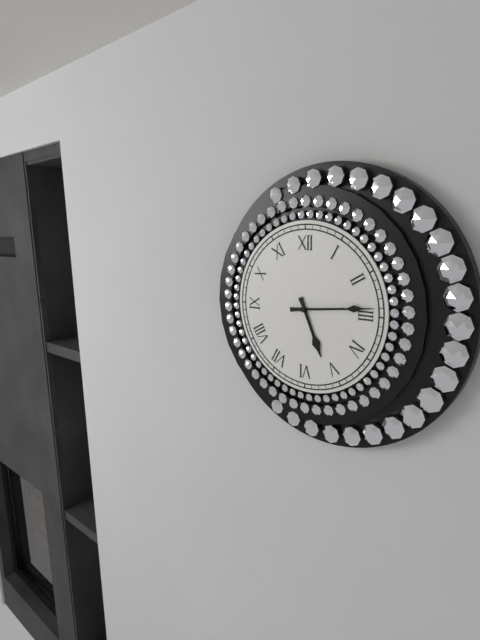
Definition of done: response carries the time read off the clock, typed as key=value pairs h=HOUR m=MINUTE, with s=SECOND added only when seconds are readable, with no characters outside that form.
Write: h=5 m=14
